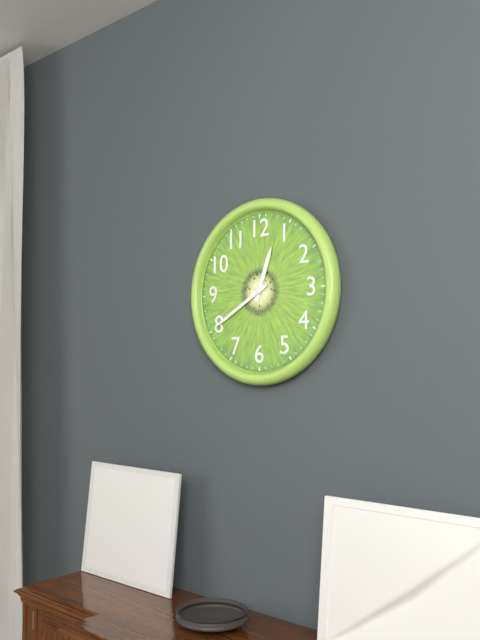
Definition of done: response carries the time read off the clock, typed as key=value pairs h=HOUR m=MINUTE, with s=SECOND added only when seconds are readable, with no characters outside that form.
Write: h=12 m=40
